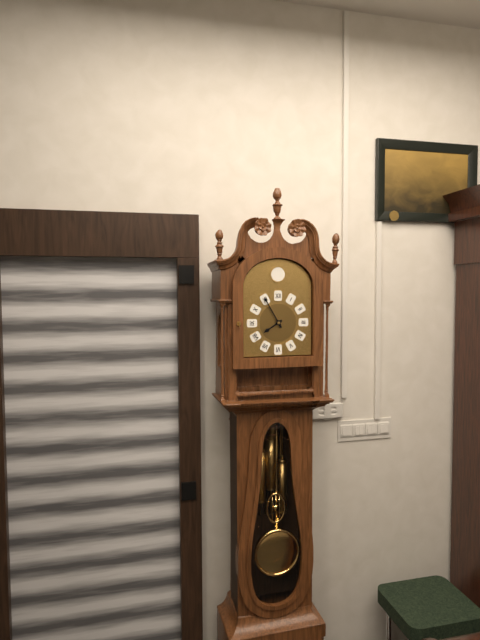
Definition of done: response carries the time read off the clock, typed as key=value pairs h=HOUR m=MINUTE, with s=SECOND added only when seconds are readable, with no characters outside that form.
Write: h=7 m=55
